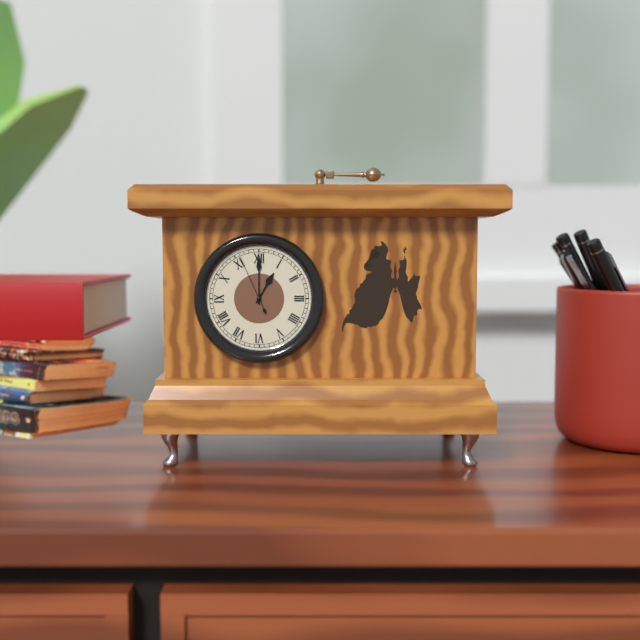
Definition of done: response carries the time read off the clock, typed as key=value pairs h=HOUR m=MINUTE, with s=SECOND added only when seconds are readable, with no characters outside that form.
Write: h=1 m=0 s=56
